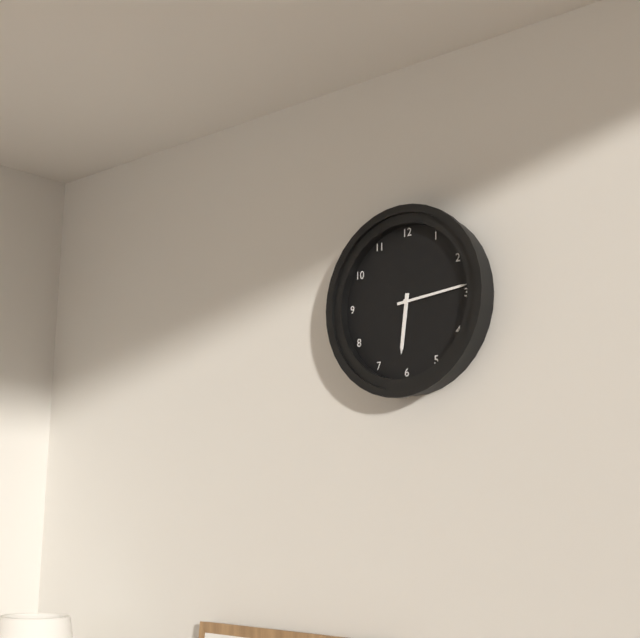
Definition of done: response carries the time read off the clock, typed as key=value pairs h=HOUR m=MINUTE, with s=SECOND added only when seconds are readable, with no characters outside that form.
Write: h=6 m=14
